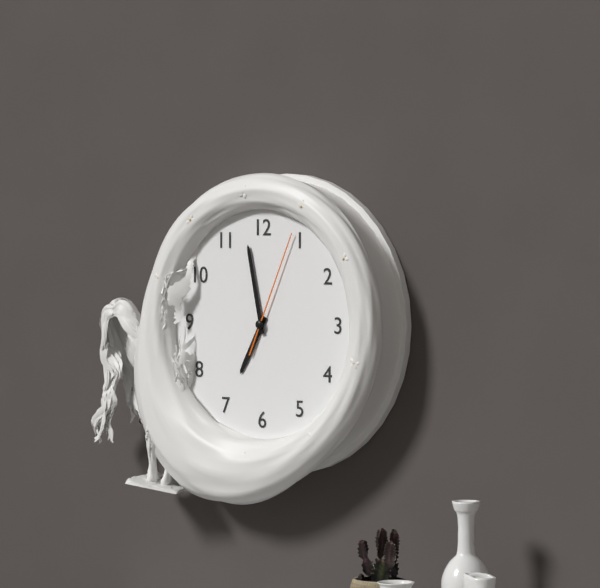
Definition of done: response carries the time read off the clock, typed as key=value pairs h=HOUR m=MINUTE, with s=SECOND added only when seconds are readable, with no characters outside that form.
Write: h=6 m=58 s=4
